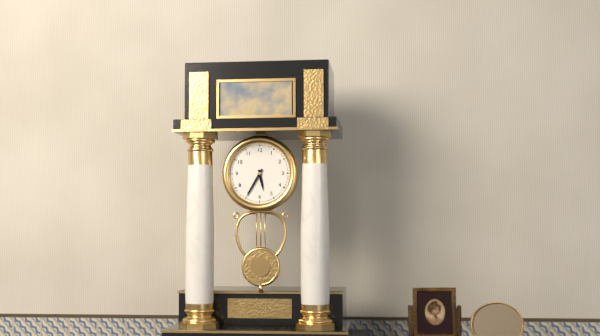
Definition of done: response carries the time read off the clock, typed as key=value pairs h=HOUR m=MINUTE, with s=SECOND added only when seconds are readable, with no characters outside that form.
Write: h=5 m=35
